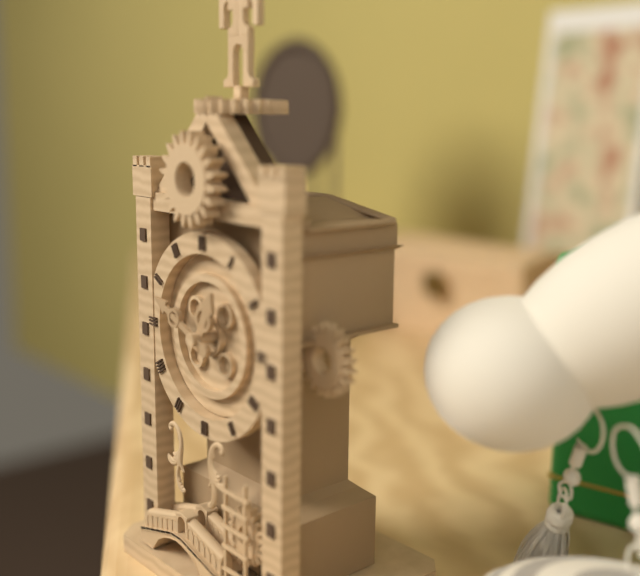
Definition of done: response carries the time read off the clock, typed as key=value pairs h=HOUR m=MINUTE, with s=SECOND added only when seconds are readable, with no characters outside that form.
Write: h=12 m=49
